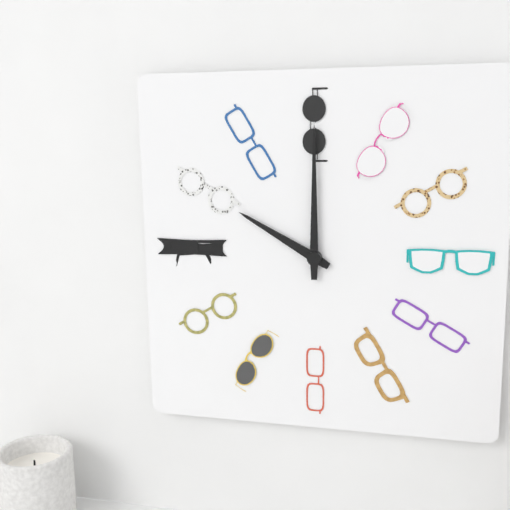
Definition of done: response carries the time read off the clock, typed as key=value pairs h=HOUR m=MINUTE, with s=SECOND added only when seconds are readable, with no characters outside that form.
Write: h=10 m=0
